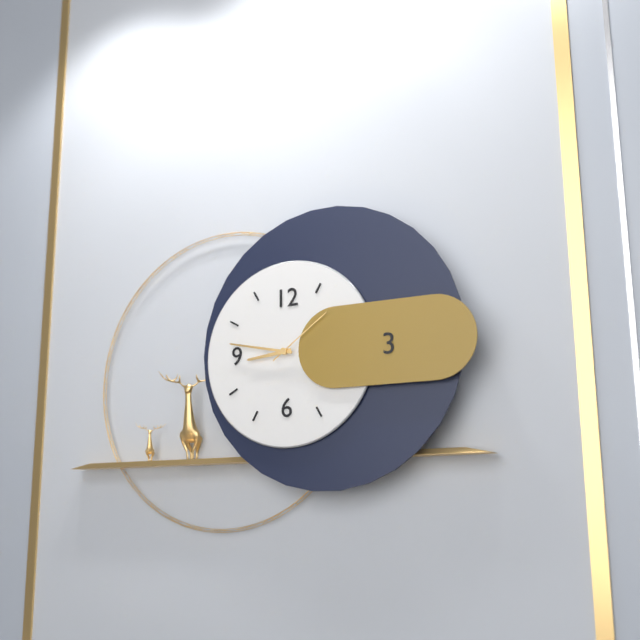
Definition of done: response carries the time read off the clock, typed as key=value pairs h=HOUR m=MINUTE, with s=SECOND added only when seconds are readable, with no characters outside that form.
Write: h=8 m=47 s=9
